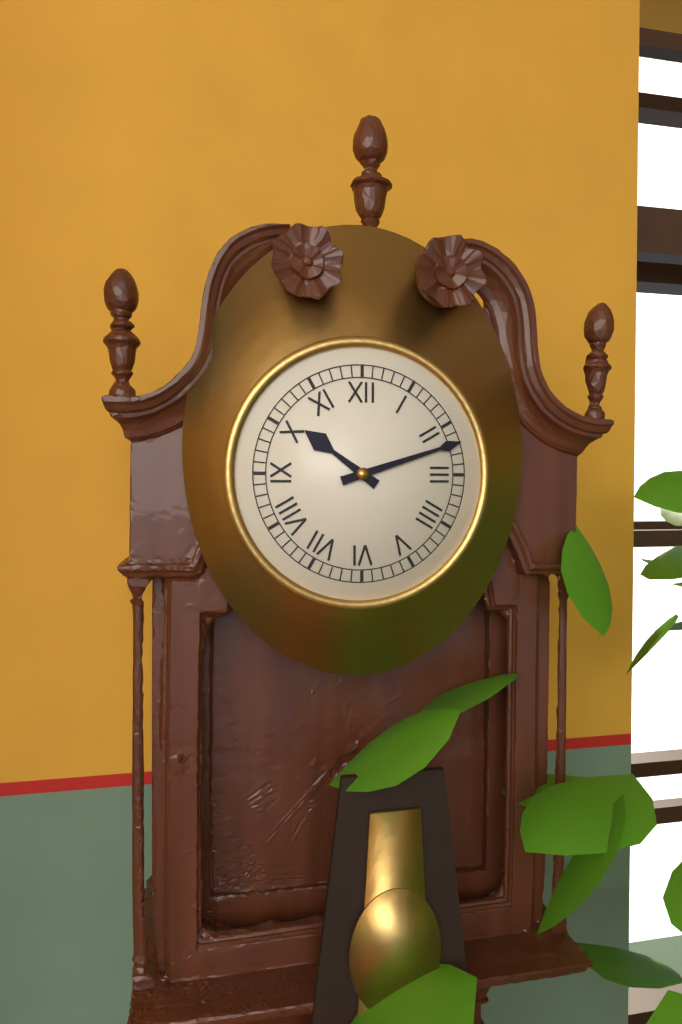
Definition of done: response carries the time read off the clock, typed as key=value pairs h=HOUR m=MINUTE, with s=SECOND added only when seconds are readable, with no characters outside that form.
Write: h=10 m=12
